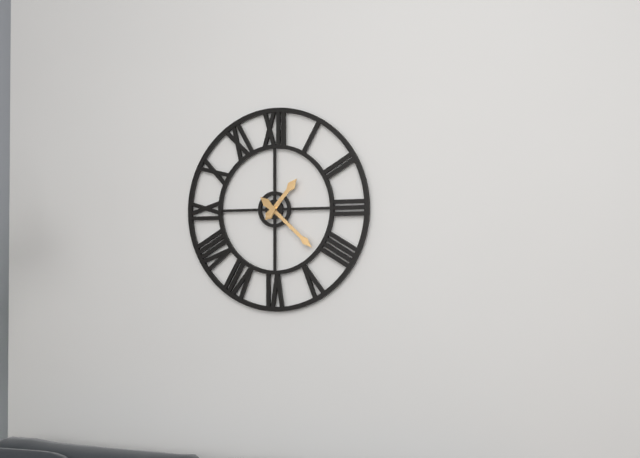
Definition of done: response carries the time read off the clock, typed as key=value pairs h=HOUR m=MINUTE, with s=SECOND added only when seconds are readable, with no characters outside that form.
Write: h=1 m=22
